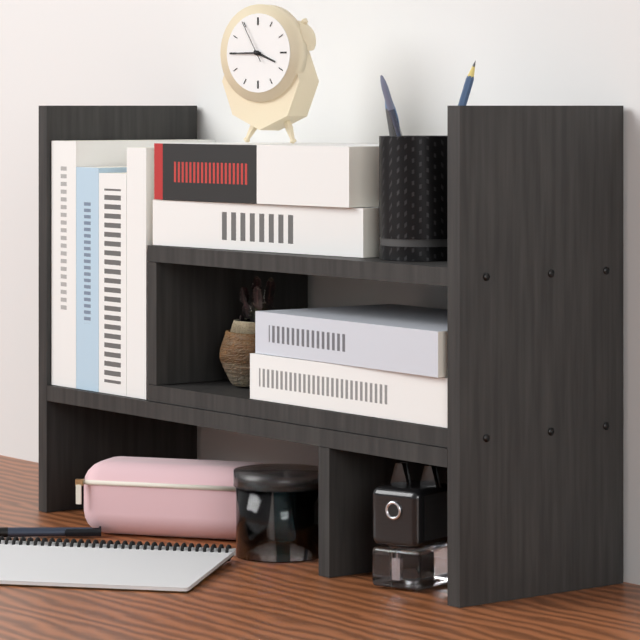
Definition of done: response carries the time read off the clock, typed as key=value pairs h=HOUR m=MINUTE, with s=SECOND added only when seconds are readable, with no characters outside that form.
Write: h=3 m=45
